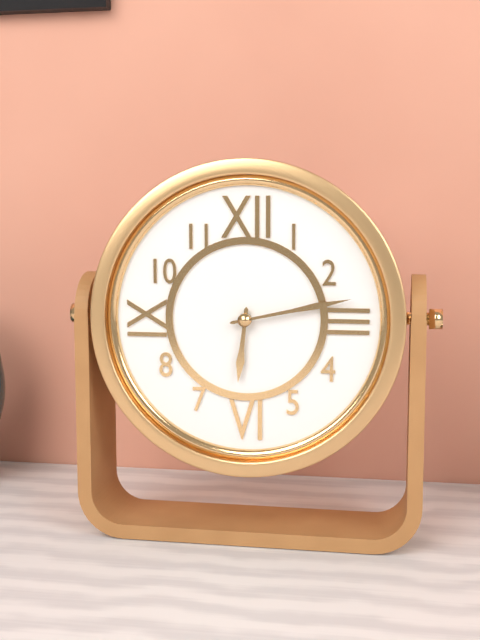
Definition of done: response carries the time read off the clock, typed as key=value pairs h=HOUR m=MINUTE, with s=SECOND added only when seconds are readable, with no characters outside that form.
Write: h=6 m=13
